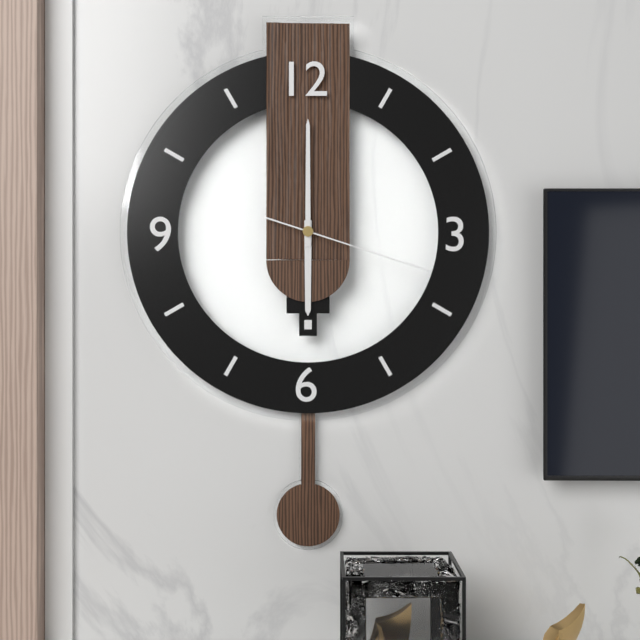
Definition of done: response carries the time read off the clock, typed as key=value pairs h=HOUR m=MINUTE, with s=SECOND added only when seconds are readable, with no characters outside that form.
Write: h=6 m=0 s=18
